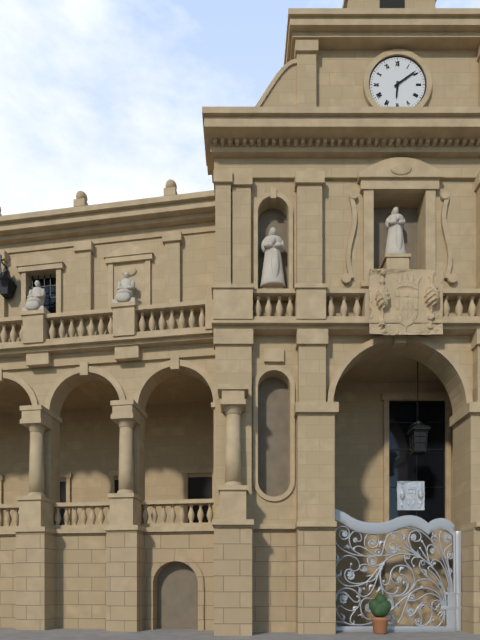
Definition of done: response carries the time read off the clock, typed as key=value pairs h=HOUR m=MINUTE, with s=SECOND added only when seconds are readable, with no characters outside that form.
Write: h=6 m=9
